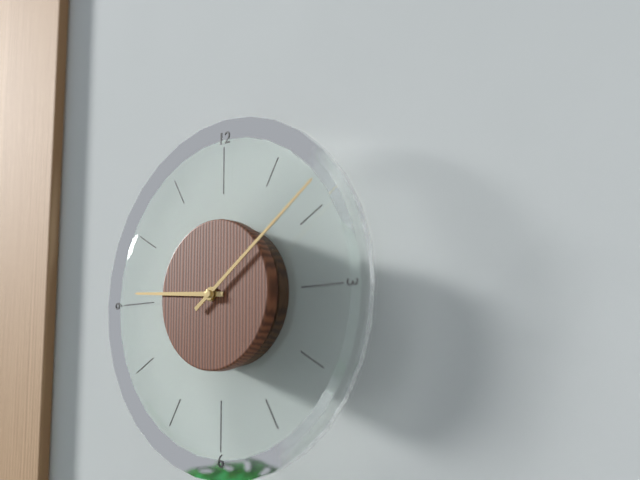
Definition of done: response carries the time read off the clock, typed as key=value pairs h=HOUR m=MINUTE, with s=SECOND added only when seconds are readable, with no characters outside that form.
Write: h=9 m=9
